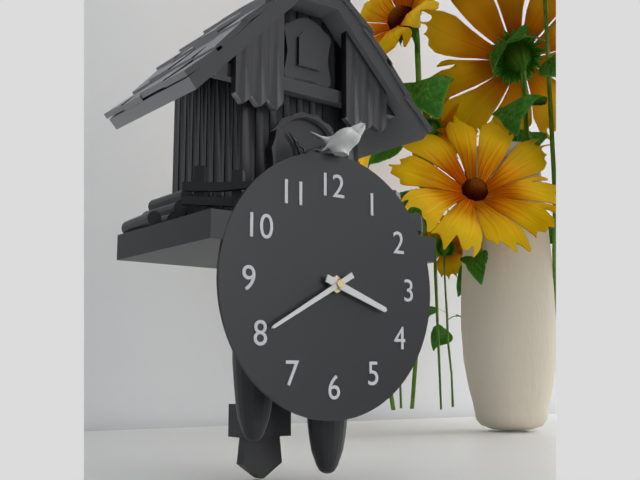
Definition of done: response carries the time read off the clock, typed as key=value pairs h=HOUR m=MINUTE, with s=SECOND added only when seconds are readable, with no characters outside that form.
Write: h=3 m=40
